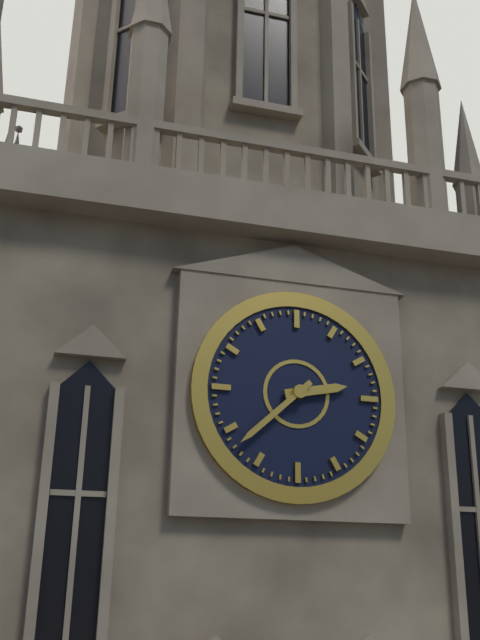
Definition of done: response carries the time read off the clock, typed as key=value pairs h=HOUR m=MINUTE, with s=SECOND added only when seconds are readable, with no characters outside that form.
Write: h=2 m=38
